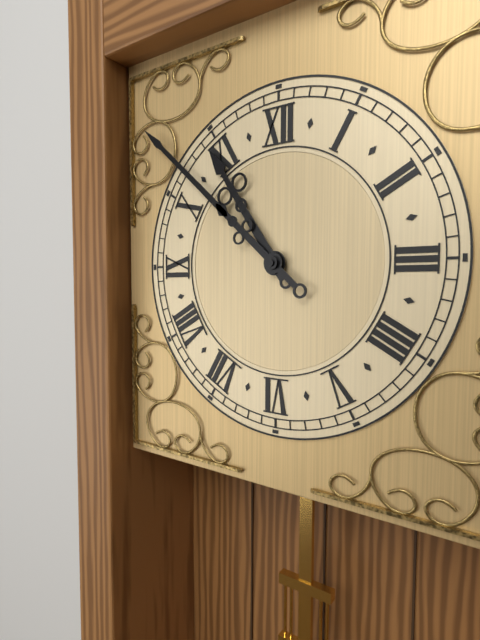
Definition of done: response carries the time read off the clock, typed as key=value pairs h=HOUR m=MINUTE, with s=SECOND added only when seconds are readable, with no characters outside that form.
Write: h=10 m=52
